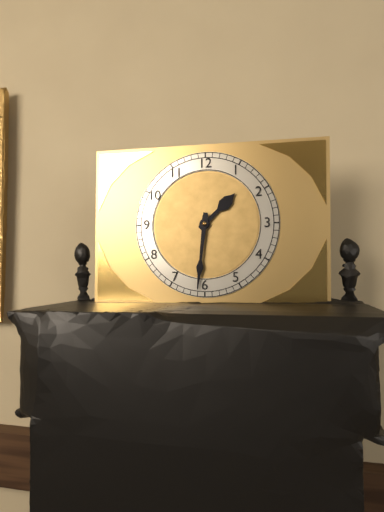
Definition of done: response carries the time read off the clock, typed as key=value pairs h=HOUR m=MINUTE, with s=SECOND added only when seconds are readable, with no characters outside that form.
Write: h=1 m=31
